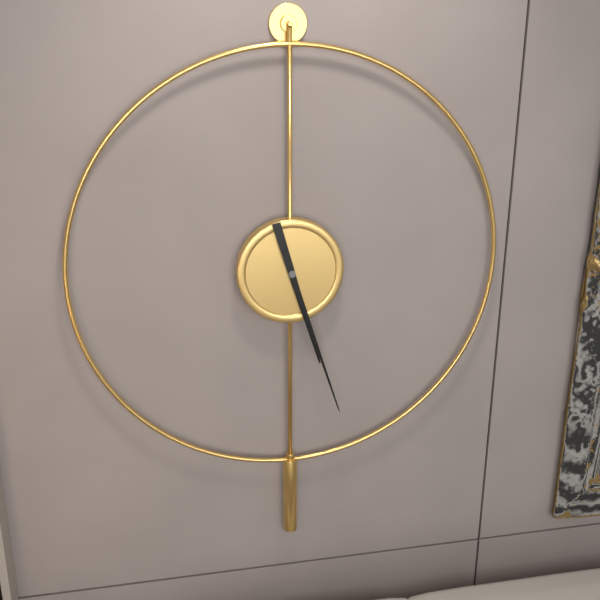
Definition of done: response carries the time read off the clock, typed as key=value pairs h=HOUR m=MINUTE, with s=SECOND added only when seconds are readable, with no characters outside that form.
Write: h=5 m=27
